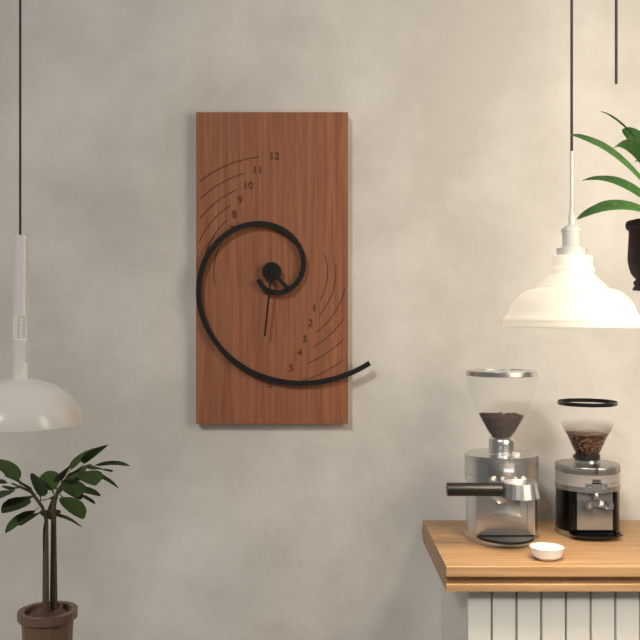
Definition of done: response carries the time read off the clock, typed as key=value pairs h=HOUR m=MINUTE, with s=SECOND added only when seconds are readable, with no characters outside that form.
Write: h=4 m=31
